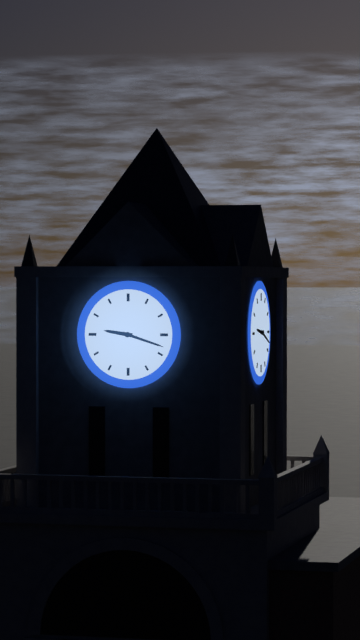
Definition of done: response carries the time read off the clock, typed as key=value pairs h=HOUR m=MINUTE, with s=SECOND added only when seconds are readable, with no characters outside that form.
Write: h=9 m=18
